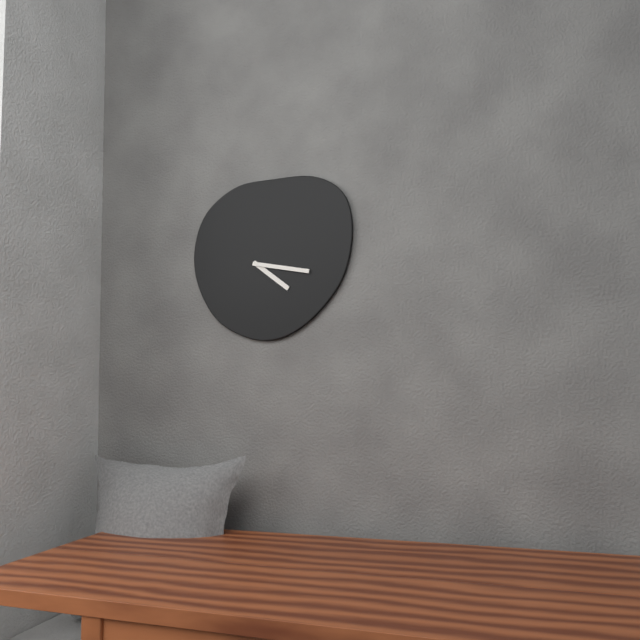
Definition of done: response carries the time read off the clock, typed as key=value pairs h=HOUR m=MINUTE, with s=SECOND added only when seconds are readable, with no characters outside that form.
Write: h=4 m=17
